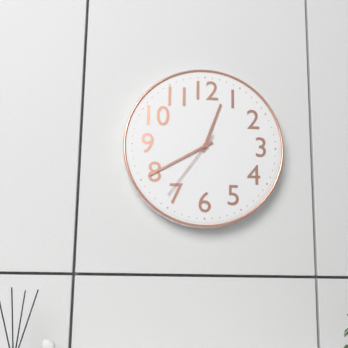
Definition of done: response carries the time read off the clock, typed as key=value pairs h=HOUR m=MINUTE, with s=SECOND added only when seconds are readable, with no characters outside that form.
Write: h=12 m=40 s=36
